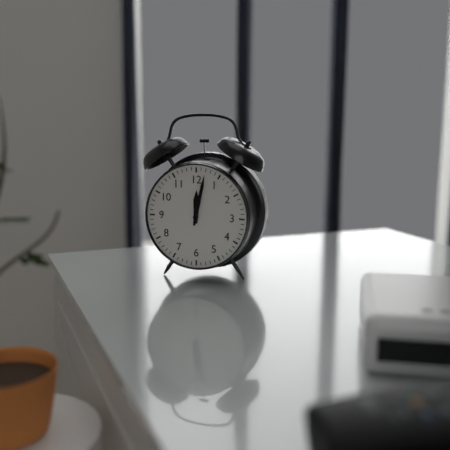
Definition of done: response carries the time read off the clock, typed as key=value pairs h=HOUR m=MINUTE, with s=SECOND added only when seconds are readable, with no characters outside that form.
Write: h=12 m=2
